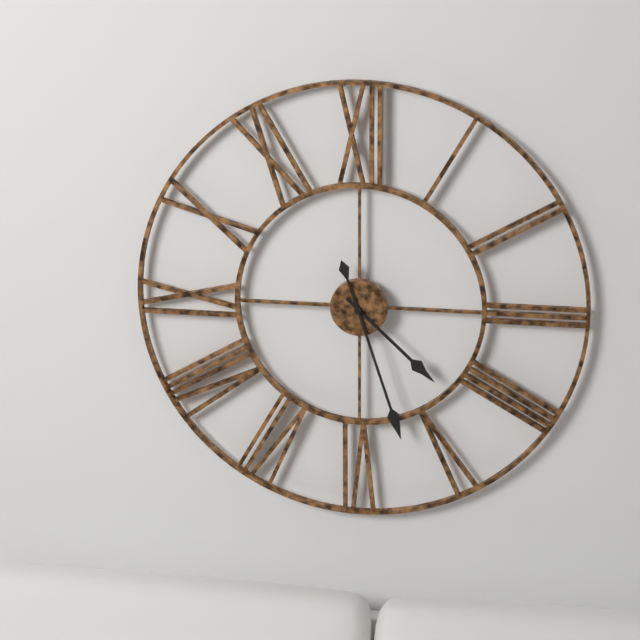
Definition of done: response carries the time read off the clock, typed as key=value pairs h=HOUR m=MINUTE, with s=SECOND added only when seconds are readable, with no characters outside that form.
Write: h=4 m=27
